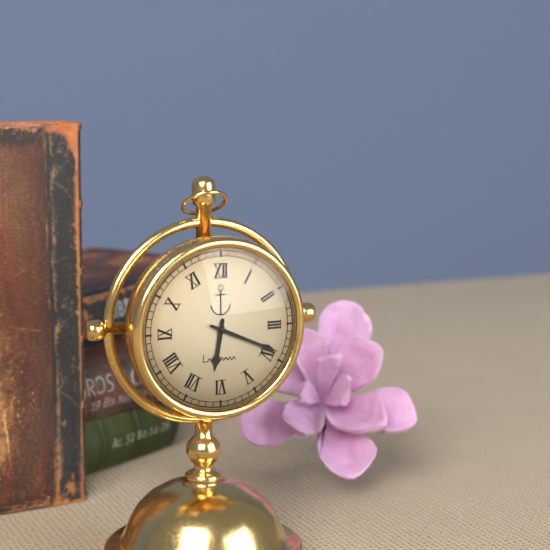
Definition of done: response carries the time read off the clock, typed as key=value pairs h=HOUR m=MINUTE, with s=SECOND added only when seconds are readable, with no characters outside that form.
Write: h=6 m=19
